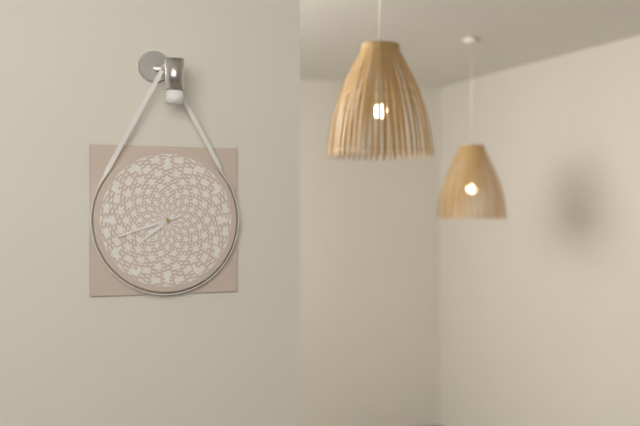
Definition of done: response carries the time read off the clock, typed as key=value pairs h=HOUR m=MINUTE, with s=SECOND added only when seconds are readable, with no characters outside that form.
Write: h=7 m=42
